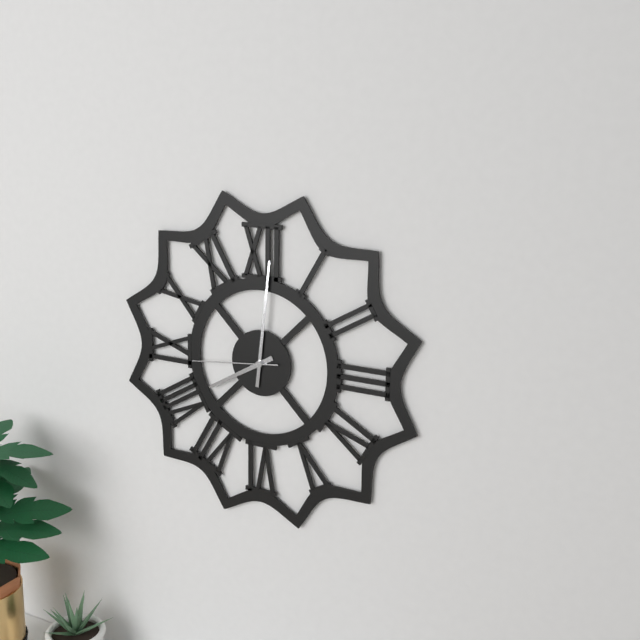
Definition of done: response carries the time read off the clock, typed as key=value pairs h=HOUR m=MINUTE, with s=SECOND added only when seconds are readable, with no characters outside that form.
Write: h=8 m=1 s=44
